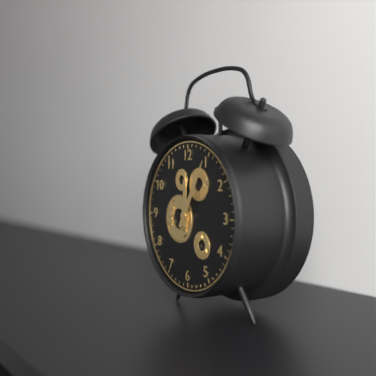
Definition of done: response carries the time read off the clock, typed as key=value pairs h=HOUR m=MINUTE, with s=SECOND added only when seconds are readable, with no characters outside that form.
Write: h=12 m=5
